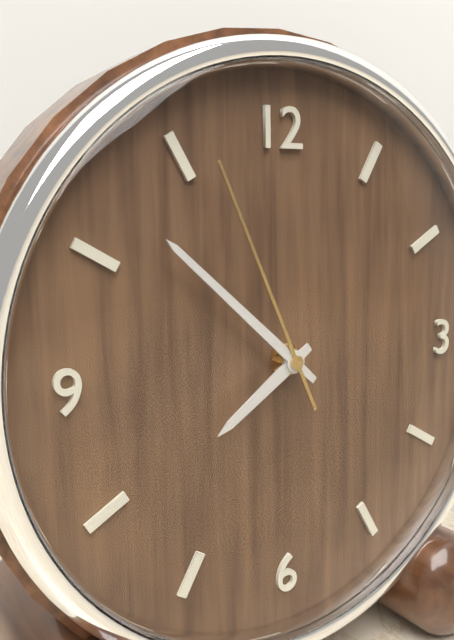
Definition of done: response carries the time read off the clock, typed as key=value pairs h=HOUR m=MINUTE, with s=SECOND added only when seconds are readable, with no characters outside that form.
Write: h=7 m=52 s=56
